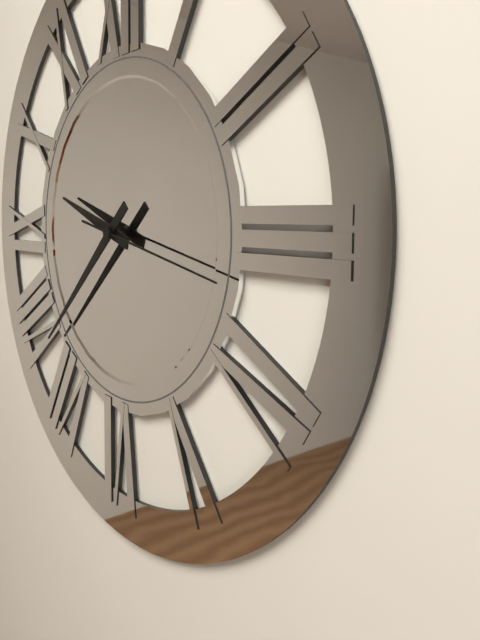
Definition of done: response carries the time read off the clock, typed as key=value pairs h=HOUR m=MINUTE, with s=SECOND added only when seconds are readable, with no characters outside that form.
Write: h=9 m=38 s=17
